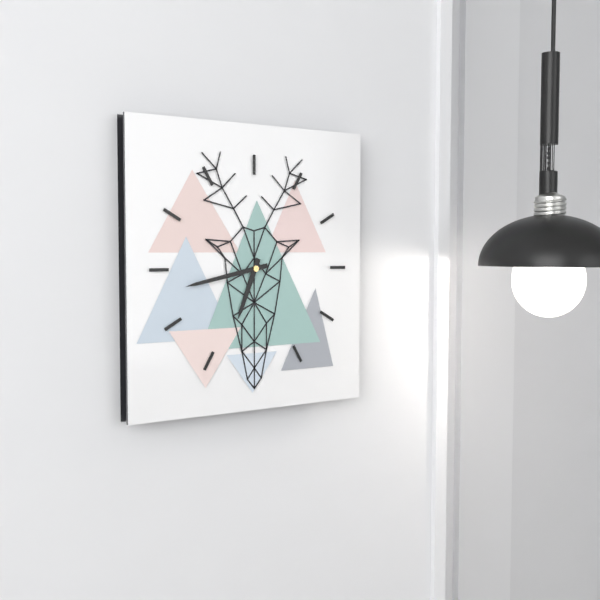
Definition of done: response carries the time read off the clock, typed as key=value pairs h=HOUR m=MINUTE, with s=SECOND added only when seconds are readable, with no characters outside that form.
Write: h=6 m=43
